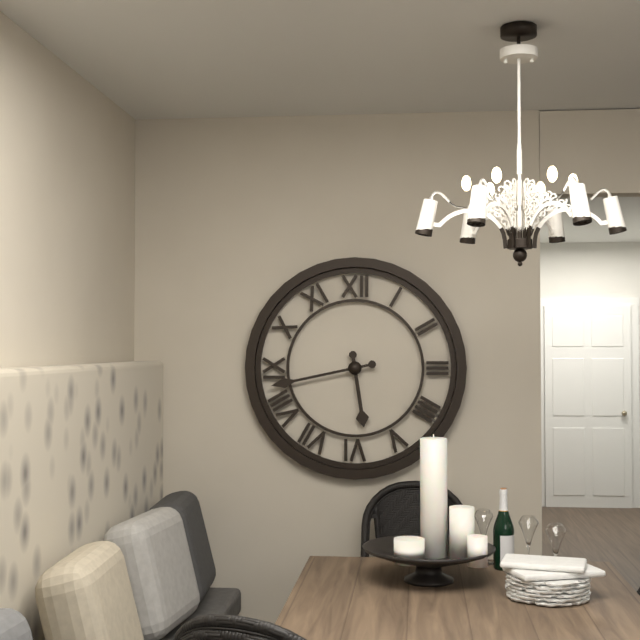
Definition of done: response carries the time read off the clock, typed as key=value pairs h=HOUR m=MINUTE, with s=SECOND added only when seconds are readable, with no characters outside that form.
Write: h=5 m=43
